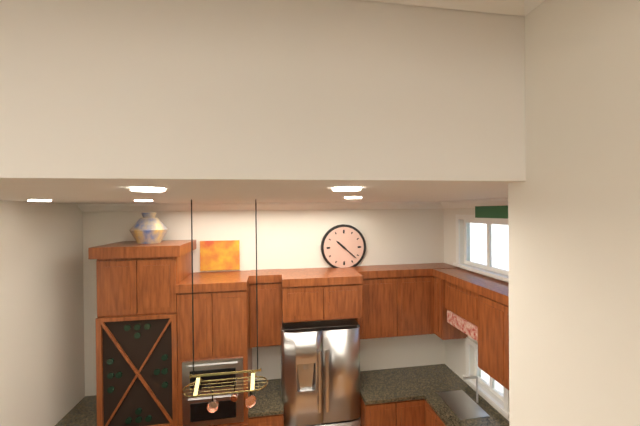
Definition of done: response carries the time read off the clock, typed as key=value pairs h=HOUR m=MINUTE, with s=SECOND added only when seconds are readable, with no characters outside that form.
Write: h=10 m=22
